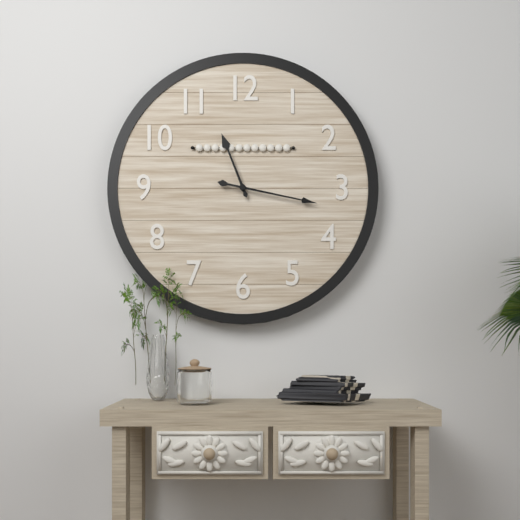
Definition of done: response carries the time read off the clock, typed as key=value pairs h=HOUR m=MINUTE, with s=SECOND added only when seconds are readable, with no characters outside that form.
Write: h=11 m=17
